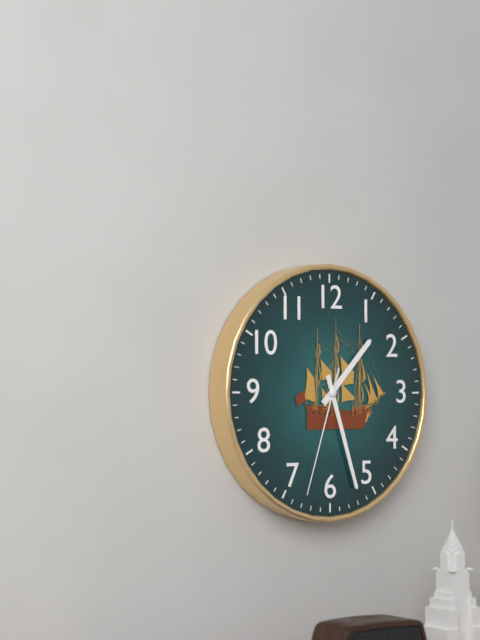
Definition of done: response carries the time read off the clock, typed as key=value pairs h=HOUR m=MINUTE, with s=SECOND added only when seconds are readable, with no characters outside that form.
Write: h=1 m=27 s=33
